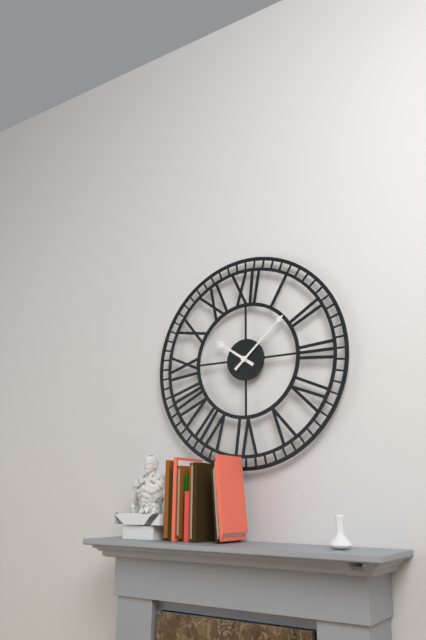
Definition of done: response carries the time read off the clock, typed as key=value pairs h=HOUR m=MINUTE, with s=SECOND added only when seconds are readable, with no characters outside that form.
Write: h=10 m=8
